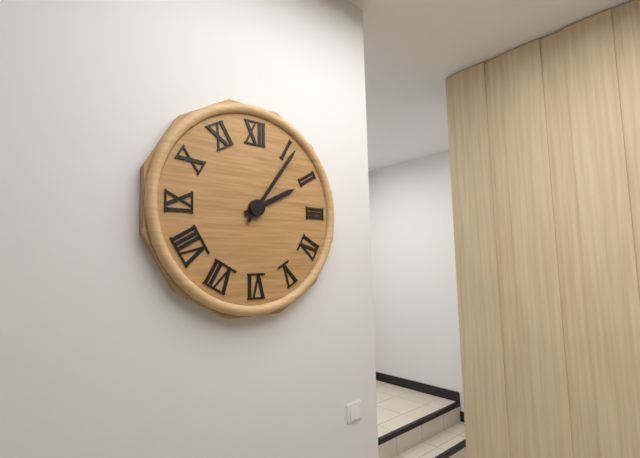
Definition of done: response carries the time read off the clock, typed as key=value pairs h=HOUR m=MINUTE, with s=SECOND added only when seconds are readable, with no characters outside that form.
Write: h=2 m=6
